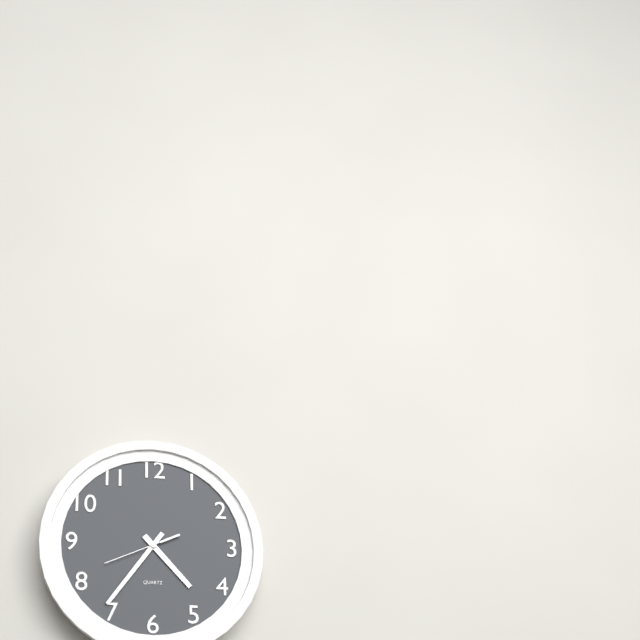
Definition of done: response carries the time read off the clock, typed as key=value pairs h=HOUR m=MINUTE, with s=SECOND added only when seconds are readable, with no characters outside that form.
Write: h=4 m=36 s=41
